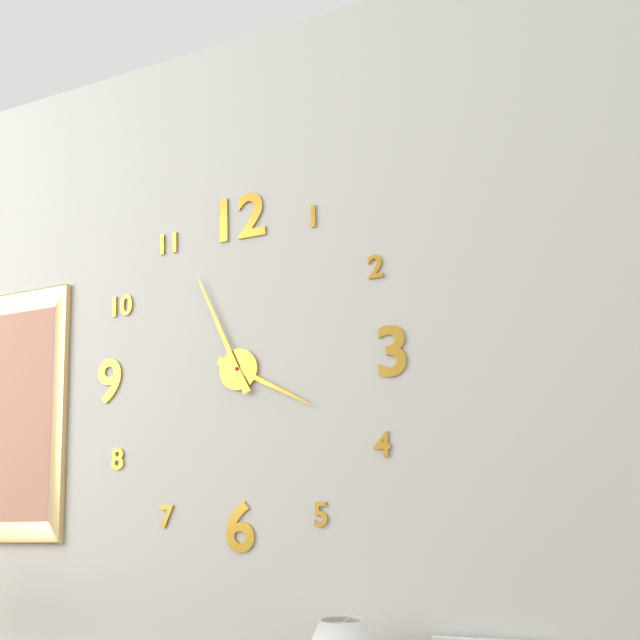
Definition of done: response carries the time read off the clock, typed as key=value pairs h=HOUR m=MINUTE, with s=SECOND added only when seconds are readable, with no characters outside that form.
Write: h=3 m=56
